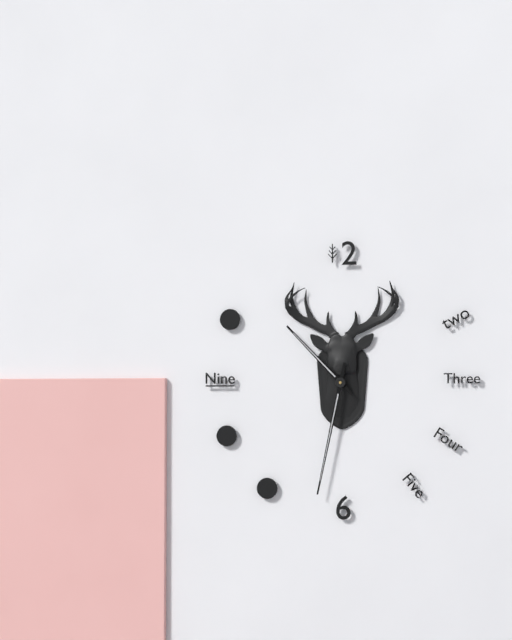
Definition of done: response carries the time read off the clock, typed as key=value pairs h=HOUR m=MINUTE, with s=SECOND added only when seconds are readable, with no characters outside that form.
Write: h=10 m=32
